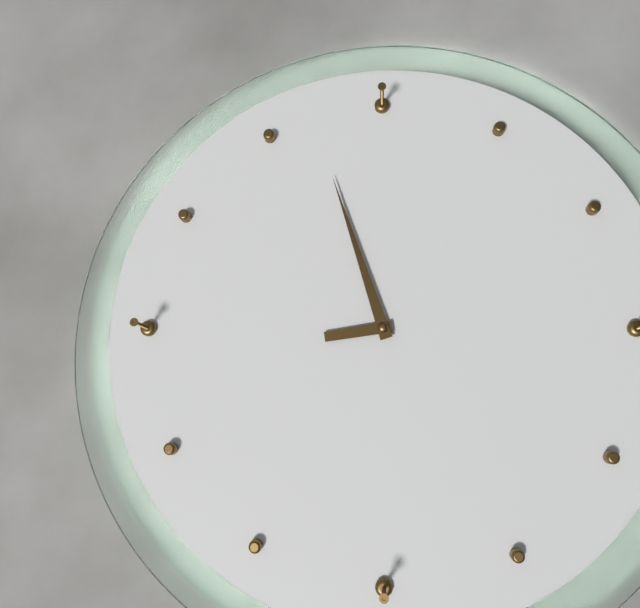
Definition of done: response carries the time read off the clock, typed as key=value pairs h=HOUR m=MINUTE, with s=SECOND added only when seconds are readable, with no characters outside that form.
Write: h=5 m=42
